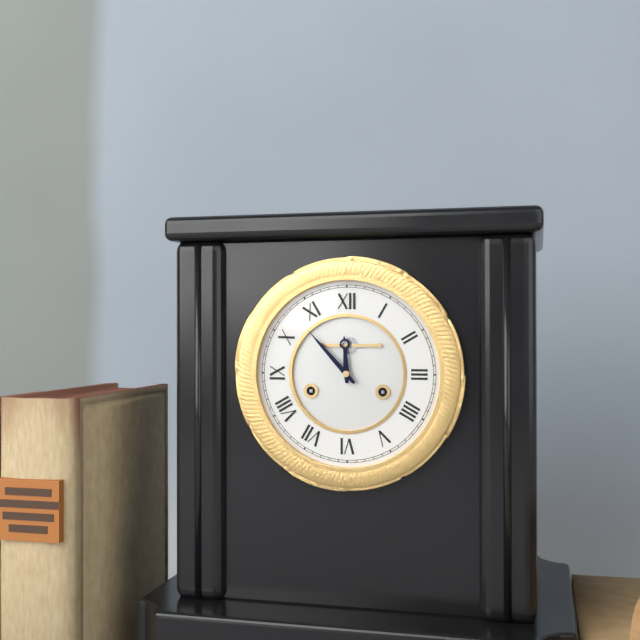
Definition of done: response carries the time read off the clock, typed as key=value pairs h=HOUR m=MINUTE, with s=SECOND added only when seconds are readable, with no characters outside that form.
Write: h=11 m=53
